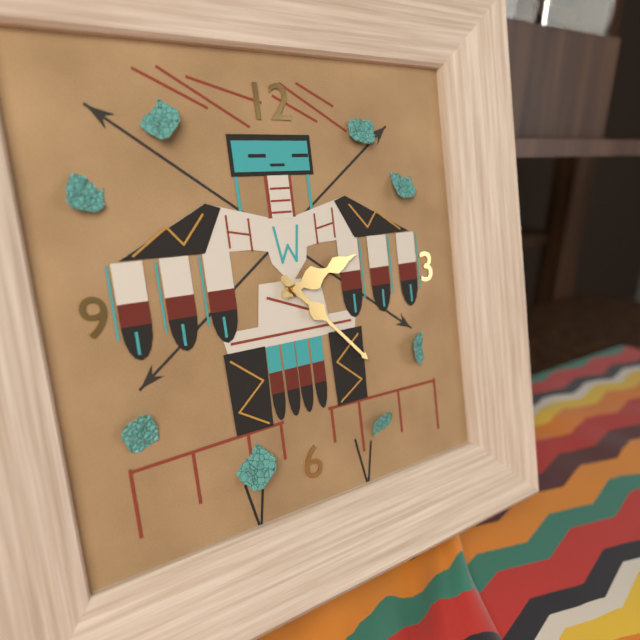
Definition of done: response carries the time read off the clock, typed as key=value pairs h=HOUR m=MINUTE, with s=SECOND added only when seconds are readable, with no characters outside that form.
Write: h=2 m=23
